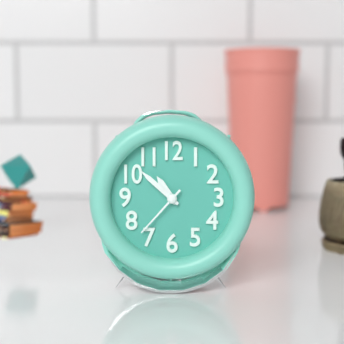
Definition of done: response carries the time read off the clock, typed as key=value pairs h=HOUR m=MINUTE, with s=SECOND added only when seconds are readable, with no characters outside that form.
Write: h=10 m=52 s=37
